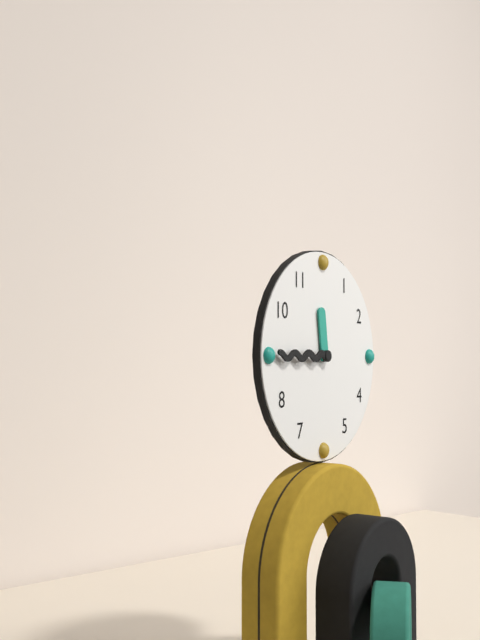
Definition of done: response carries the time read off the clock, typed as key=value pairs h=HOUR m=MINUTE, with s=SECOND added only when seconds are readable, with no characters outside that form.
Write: h=11 m=45
